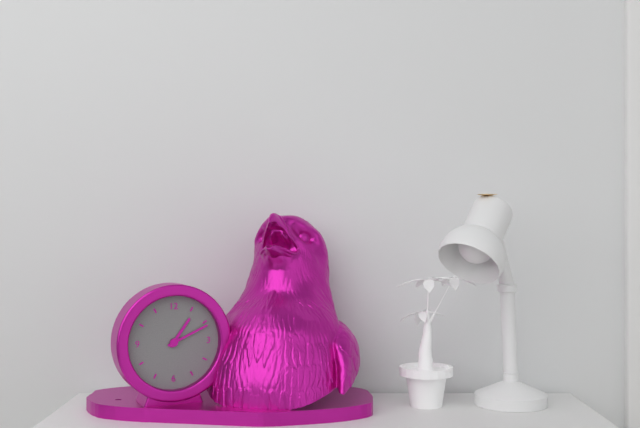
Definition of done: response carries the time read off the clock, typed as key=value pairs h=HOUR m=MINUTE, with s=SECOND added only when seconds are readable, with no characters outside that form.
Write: h=1 m=11
